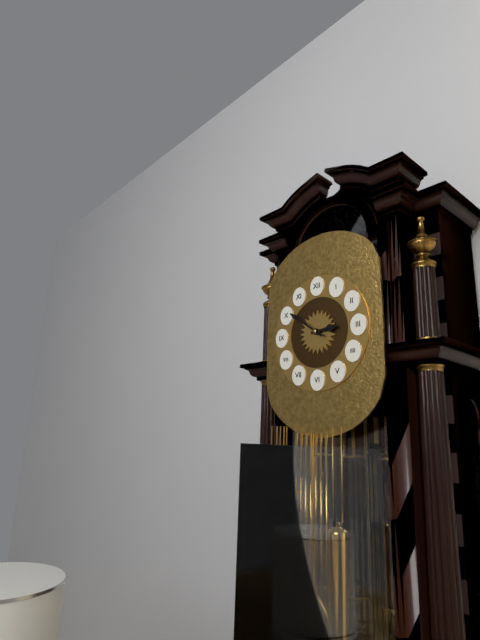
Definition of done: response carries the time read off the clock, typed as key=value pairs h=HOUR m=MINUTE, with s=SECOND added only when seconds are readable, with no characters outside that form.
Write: h=2 m=51
